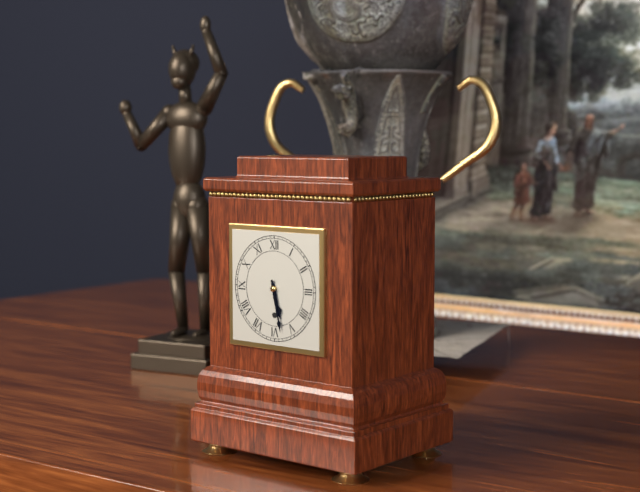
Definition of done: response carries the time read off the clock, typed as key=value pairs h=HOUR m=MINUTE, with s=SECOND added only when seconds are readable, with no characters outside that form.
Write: h=5 m=28
